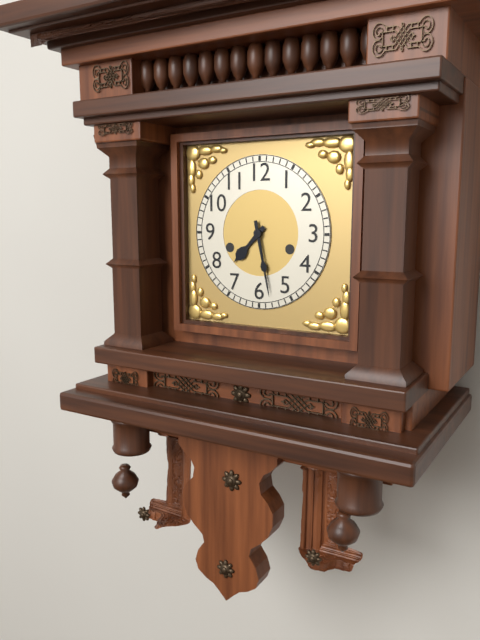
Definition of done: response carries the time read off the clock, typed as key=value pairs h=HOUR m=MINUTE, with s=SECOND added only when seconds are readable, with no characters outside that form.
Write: h=7 m=28
